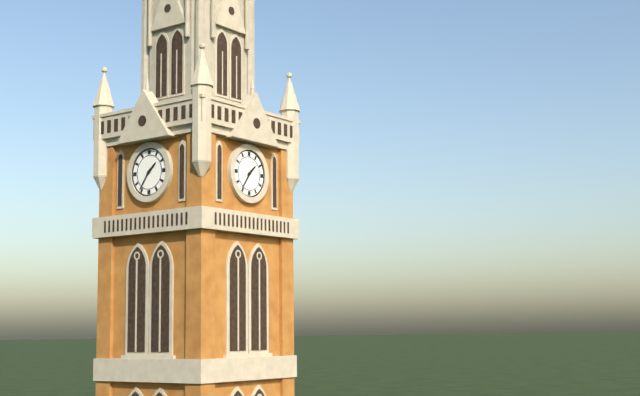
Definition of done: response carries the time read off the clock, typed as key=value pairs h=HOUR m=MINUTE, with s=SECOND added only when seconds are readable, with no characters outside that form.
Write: h=1 m=36
